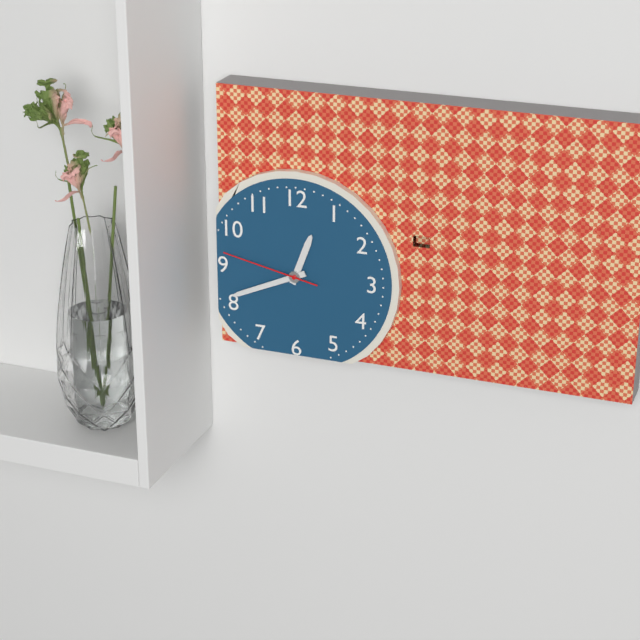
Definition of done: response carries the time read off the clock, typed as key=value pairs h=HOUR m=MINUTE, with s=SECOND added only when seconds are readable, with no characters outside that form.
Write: h=12 m=41 s=47
